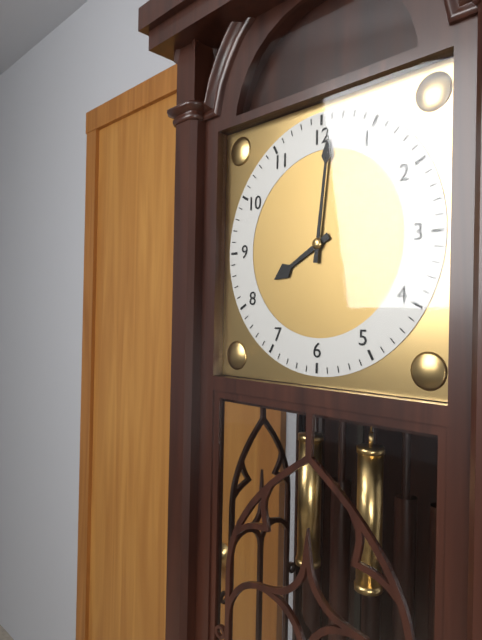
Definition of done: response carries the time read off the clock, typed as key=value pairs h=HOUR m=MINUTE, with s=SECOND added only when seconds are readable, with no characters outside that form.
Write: h=8 m=1
